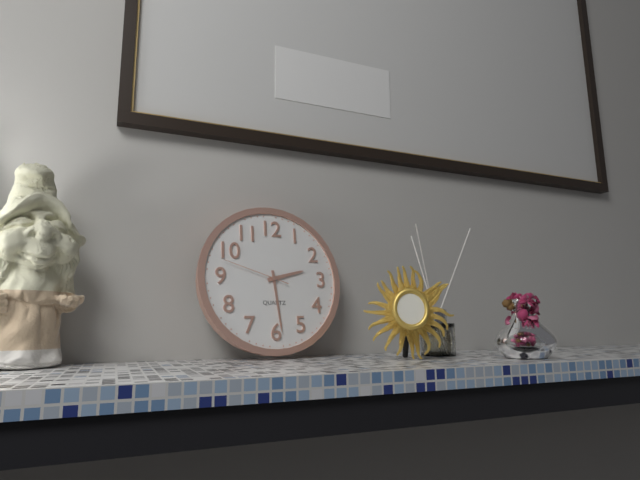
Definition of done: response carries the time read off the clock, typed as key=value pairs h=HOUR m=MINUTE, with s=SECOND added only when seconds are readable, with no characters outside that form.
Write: h=2 m=29 s=48
